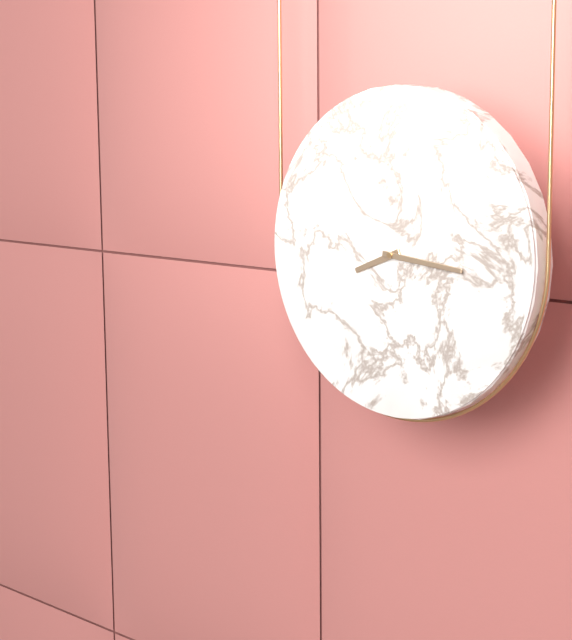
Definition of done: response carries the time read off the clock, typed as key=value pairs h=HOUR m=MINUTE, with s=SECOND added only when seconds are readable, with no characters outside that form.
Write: h=8 m=16
